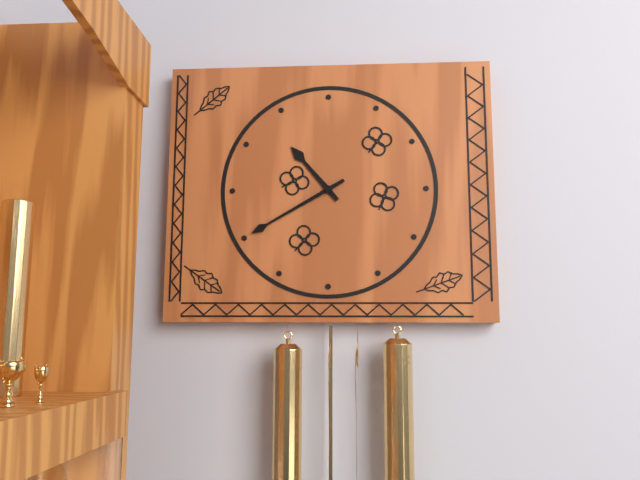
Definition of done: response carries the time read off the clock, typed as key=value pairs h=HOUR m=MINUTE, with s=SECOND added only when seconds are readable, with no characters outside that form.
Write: h=10 m=40
